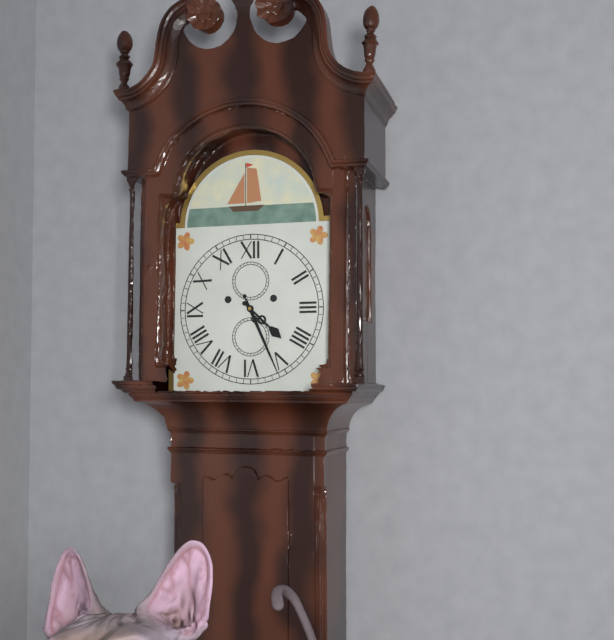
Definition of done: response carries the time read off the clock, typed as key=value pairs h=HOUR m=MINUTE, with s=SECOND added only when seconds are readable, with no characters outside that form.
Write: h=4 m=26
